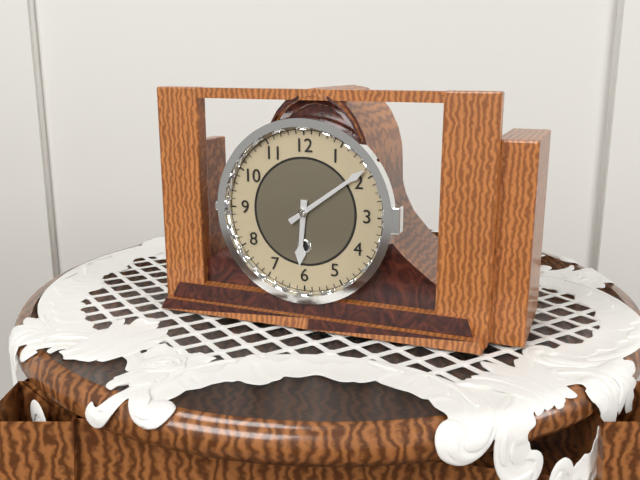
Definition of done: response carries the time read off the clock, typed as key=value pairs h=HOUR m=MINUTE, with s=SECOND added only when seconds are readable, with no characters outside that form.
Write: h=6 m=9
